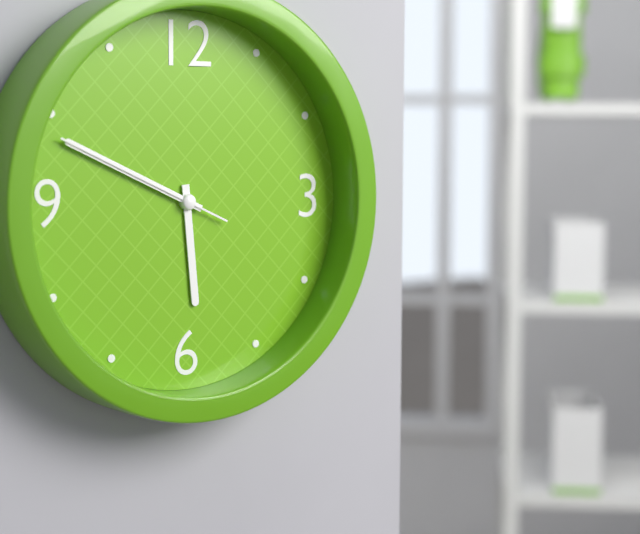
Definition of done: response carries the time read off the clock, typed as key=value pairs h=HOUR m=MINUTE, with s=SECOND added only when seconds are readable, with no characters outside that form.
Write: h=5 m=49 s=49
